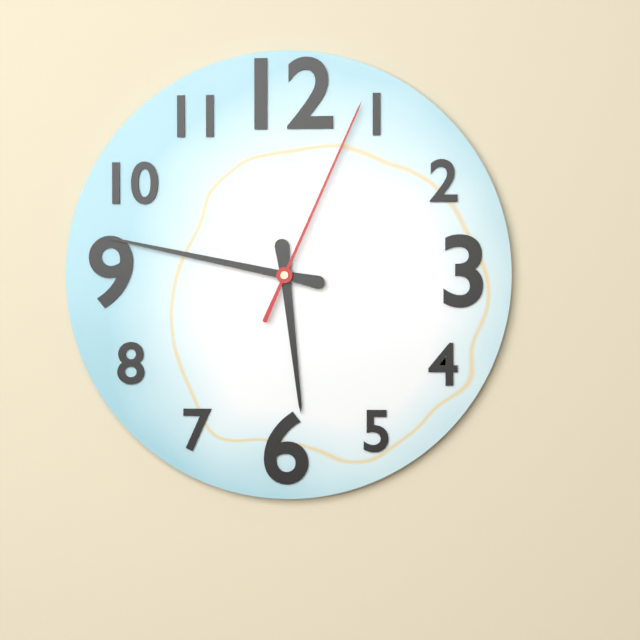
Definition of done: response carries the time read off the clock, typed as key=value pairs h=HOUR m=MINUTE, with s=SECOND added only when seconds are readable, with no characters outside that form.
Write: h=5 m=47 s=4
